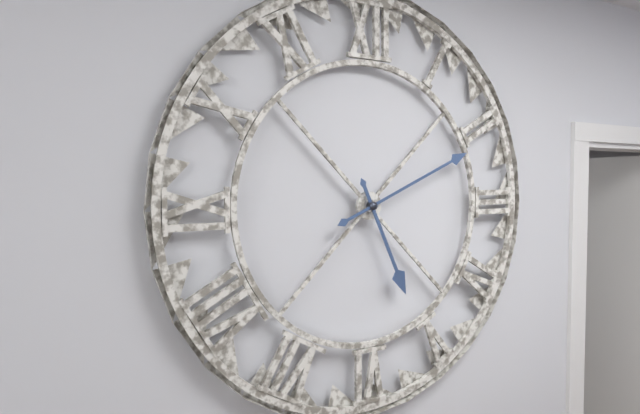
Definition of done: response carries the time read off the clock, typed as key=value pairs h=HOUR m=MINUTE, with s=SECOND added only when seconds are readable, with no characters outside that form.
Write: h=5 m=11
